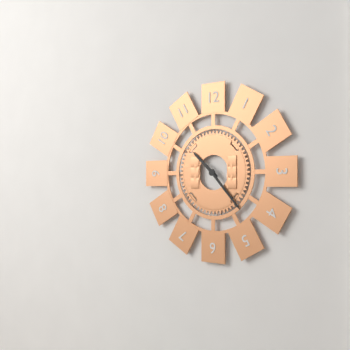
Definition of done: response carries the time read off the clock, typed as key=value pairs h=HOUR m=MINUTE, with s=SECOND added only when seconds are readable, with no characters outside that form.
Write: h=10 m=23
